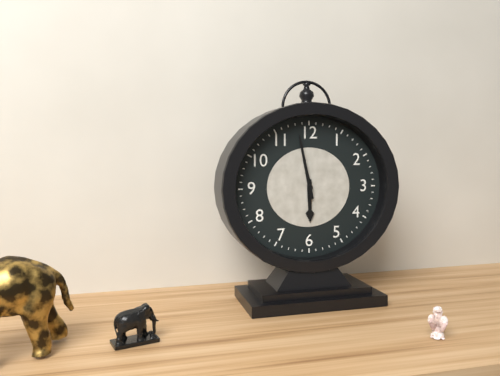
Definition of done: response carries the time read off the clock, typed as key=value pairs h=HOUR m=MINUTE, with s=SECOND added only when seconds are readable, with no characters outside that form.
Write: h=5 m=58
